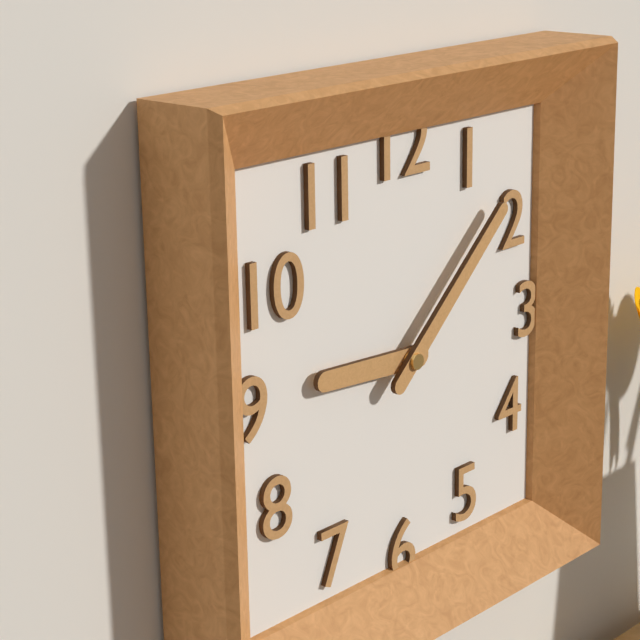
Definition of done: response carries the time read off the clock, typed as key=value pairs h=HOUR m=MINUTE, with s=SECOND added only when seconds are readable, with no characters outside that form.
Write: h=9 m=8
